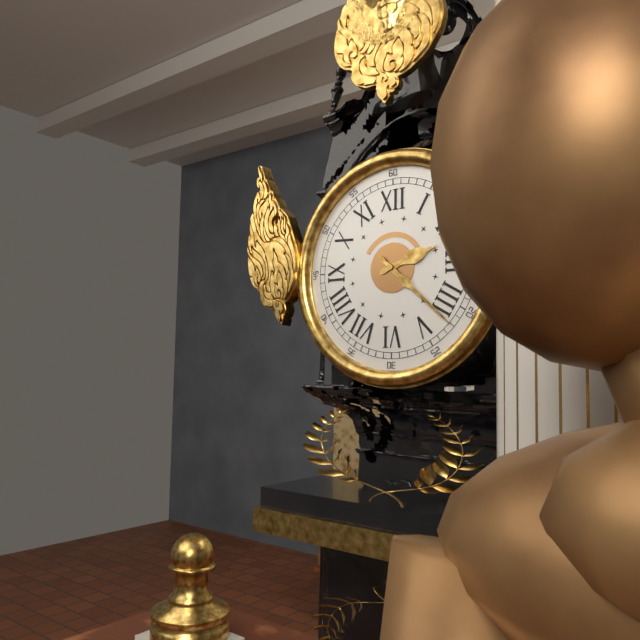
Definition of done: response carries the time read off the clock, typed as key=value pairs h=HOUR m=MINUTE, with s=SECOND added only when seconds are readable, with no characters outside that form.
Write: h=2 m=22
